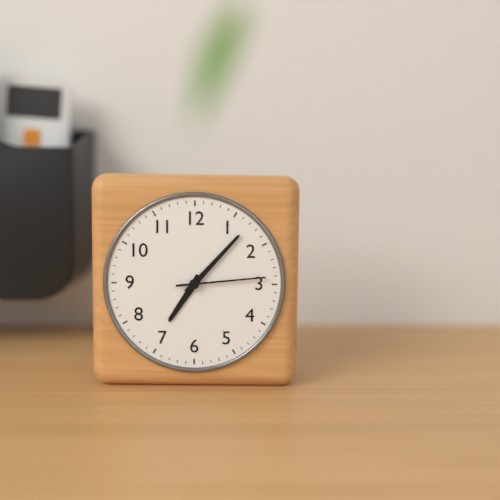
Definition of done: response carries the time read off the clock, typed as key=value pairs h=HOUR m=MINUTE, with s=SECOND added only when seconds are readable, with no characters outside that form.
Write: h=7 m=7 s=14
